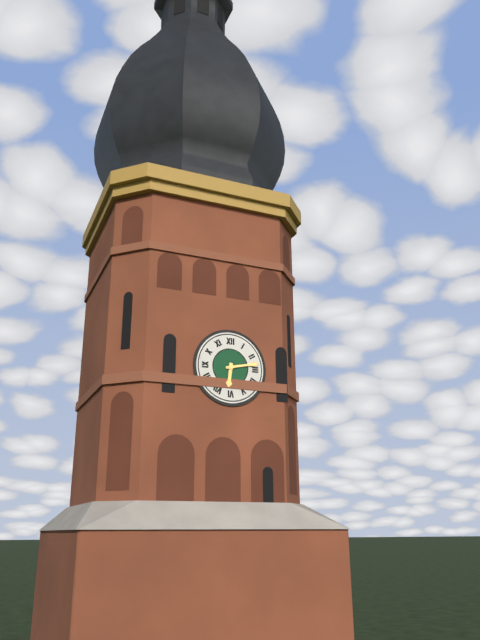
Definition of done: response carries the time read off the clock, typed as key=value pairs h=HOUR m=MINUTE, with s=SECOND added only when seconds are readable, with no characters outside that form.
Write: h=6 m=13
